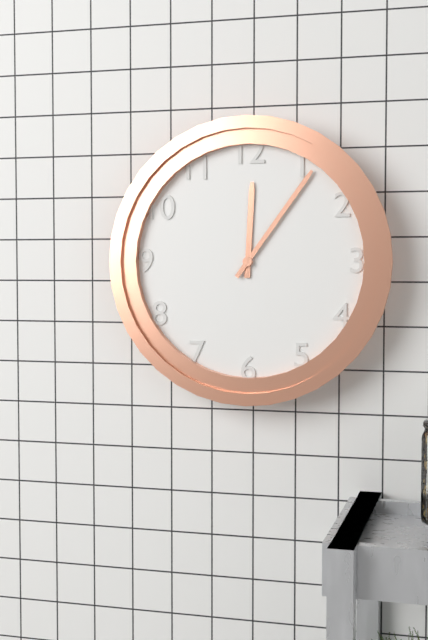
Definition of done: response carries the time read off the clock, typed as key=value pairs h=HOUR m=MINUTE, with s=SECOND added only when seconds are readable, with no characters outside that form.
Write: h=12 m=6
